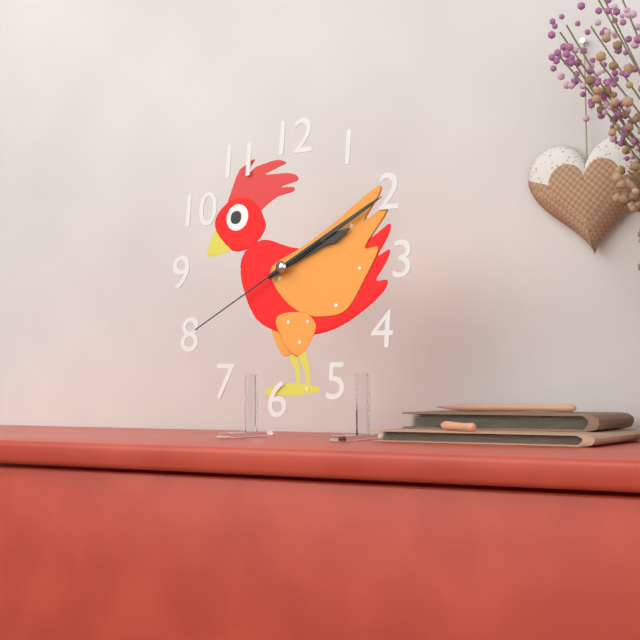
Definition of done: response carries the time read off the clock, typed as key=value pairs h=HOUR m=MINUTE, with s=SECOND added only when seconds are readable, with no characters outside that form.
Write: h=2 m=10 s=40
